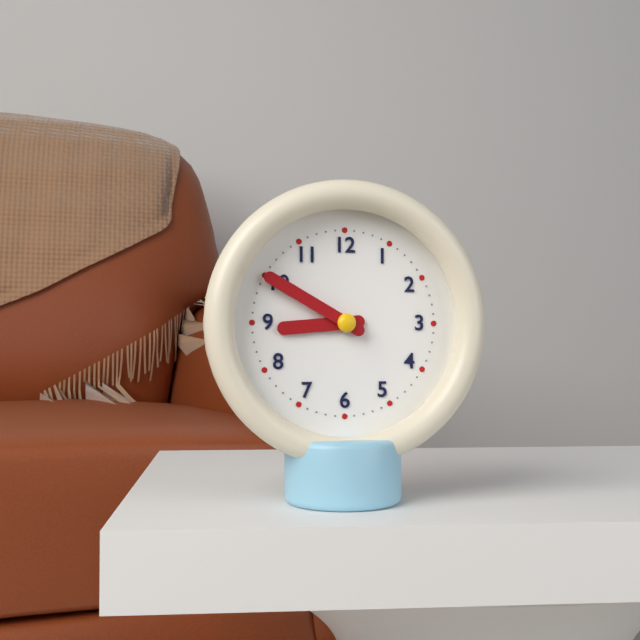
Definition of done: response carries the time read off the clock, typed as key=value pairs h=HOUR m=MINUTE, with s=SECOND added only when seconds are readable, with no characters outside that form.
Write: h=8 m=50
